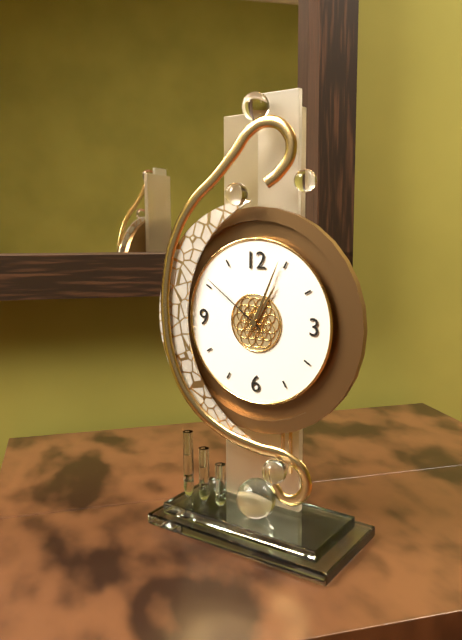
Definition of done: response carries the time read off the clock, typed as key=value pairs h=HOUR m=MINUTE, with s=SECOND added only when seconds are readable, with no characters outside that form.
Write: h=1 m=4 s=51
